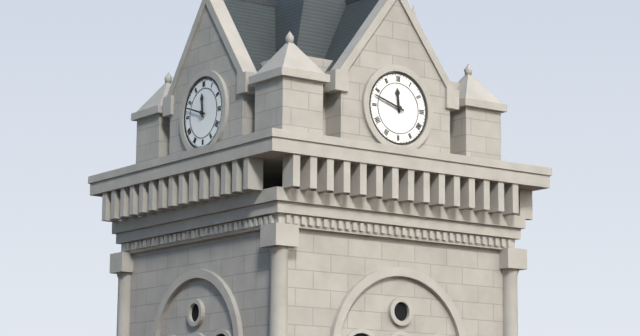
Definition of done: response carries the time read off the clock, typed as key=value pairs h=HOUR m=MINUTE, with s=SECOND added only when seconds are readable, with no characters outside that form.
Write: h=11 m=48
